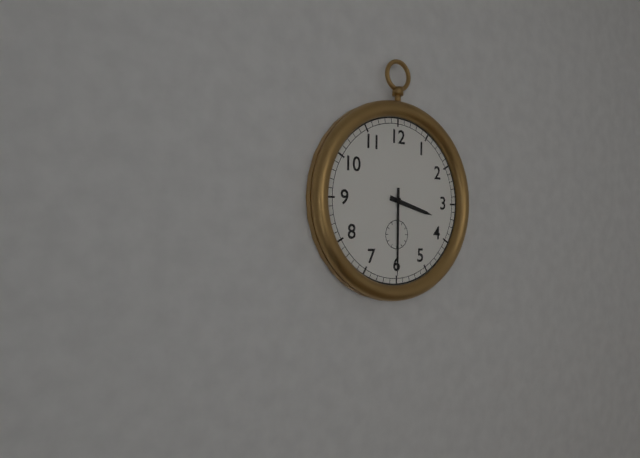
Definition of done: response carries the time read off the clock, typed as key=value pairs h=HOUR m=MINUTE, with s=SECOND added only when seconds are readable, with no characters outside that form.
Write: h=3 m=30
